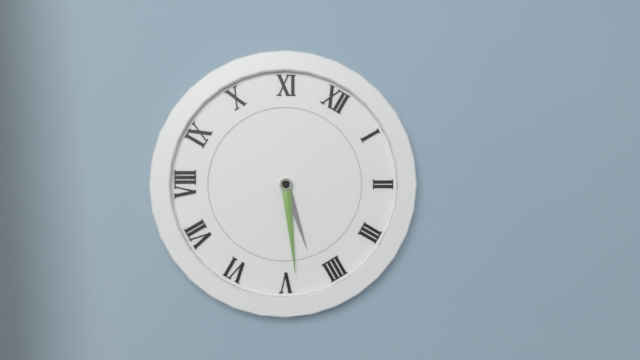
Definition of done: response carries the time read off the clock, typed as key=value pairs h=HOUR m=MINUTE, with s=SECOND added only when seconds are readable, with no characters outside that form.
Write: h=4 m=24
